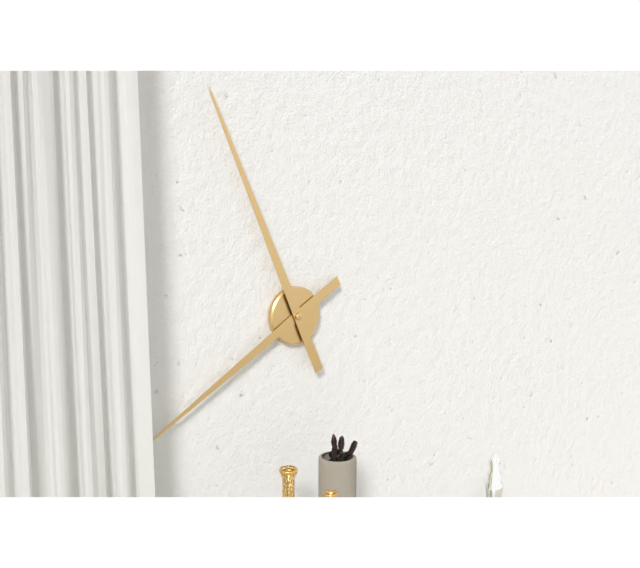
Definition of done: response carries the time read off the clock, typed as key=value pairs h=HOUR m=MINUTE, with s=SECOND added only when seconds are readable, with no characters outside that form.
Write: h=7 m=56
